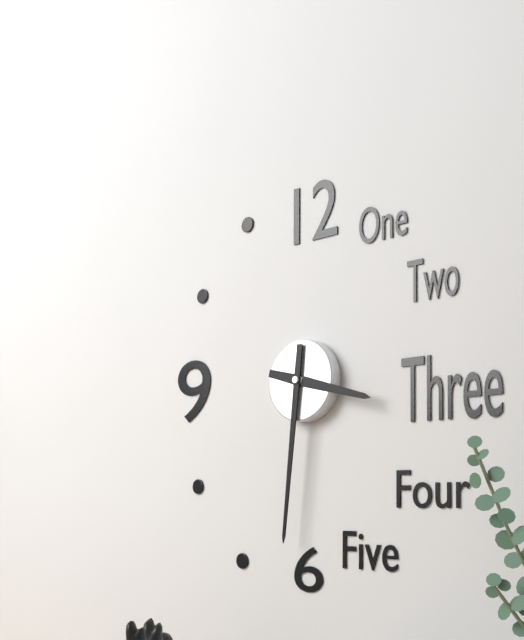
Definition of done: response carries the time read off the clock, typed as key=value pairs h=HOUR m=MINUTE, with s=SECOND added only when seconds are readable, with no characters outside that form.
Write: h=3 m=31
